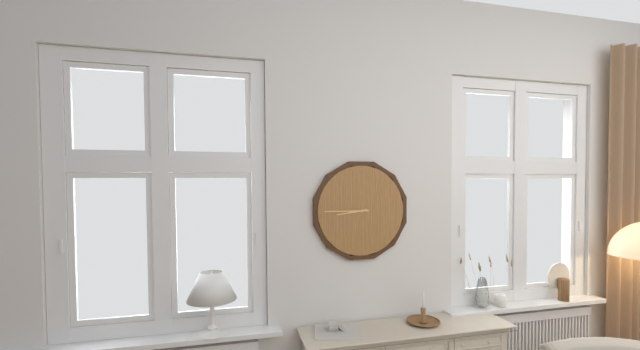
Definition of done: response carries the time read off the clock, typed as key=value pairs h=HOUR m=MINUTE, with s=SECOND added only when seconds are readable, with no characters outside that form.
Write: h=8 m=45
